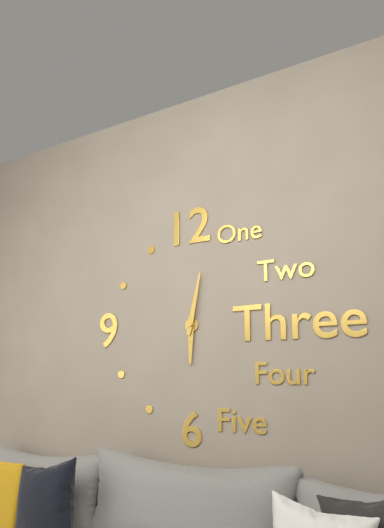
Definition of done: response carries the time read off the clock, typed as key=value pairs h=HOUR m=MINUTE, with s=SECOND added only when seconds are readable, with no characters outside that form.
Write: h=6 m=2
